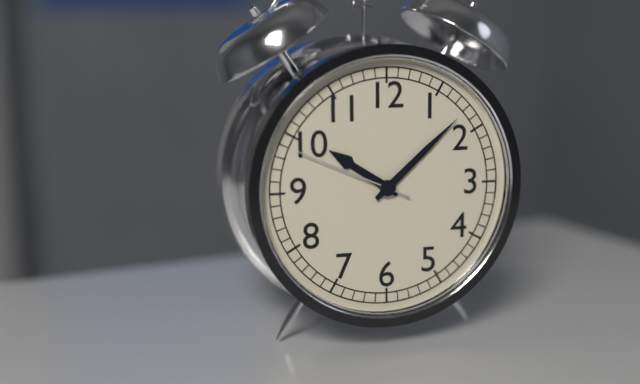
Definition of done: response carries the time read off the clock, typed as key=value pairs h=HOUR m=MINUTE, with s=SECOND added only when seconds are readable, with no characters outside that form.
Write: h=10 m=8 s=49
